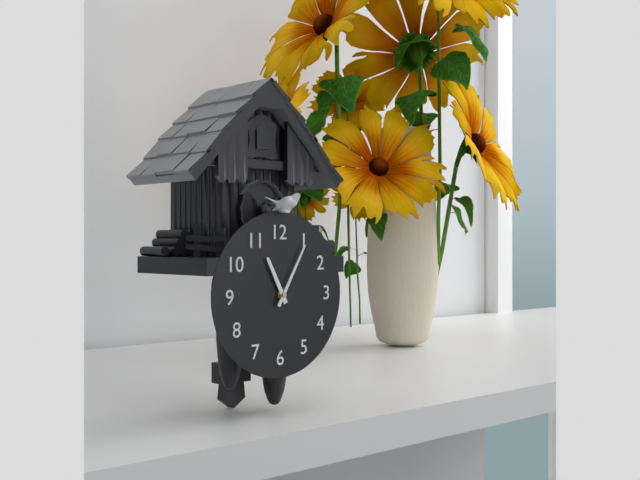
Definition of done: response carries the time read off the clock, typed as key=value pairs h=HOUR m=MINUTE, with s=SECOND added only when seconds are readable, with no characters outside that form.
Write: h=11 m=5
